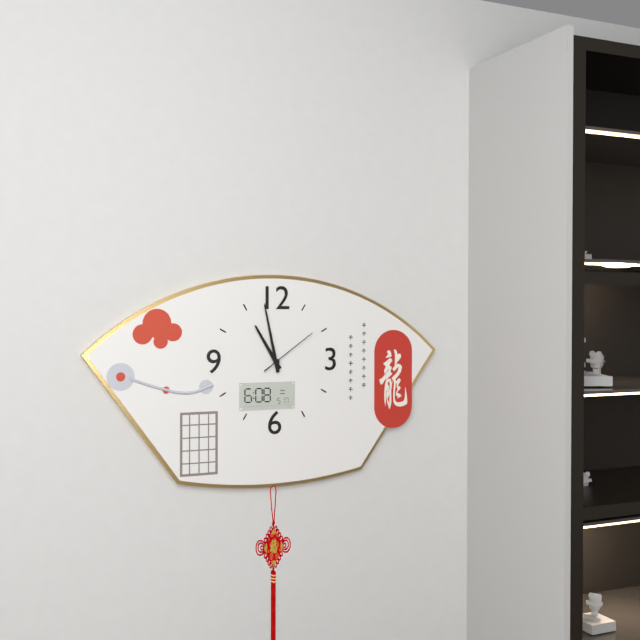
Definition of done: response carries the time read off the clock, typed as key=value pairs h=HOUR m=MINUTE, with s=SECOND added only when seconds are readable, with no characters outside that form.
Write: h=10 m=58 s=9
